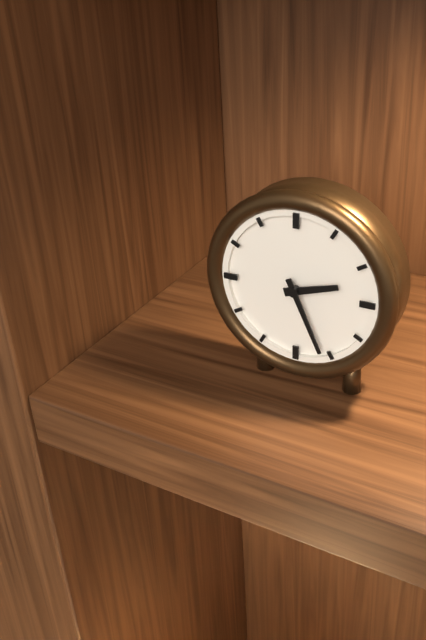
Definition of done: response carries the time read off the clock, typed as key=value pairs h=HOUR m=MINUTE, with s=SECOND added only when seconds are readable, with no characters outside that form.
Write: h=2 m=26
